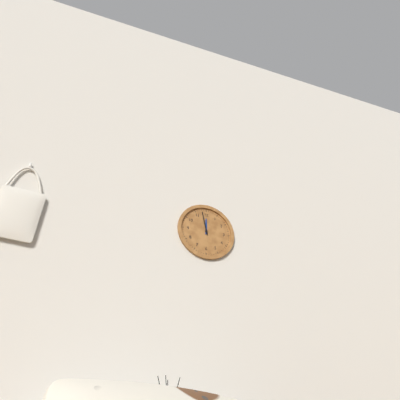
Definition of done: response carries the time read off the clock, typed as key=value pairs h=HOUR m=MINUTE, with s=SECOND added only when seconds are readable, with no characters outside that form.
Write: h=11 m=58
